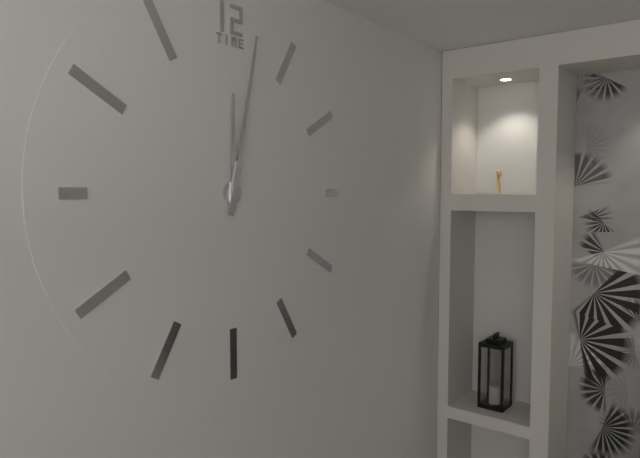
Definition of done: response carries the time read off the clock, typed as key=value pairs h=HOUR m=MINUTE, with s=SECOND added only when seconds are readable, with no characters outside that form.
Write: h=12 m=2
